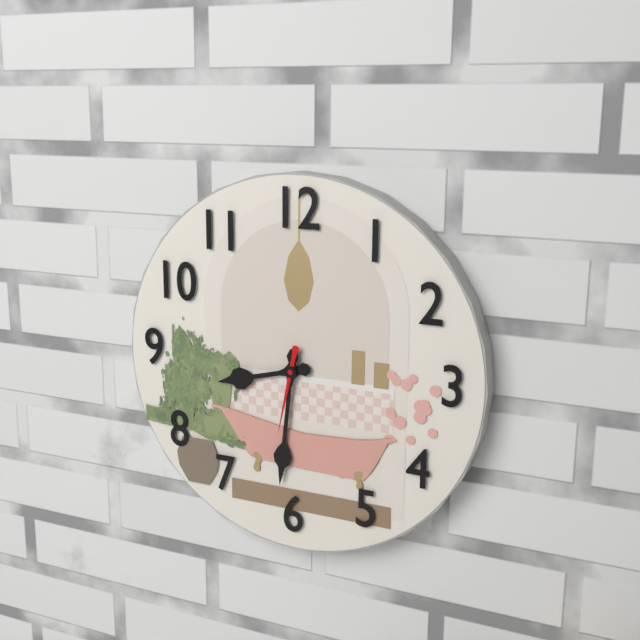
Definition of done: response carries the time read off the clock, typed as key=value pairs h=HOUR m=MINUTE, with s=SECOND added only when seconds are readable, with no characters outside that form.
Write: h=8 m=31 s=32
